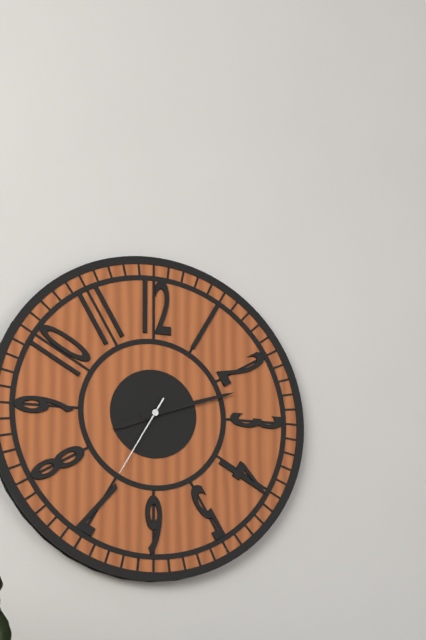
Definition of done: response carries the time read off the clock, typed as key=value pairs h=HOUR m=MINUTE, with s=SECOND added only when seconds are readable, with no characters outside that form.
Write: h=8 m=12 s=35
